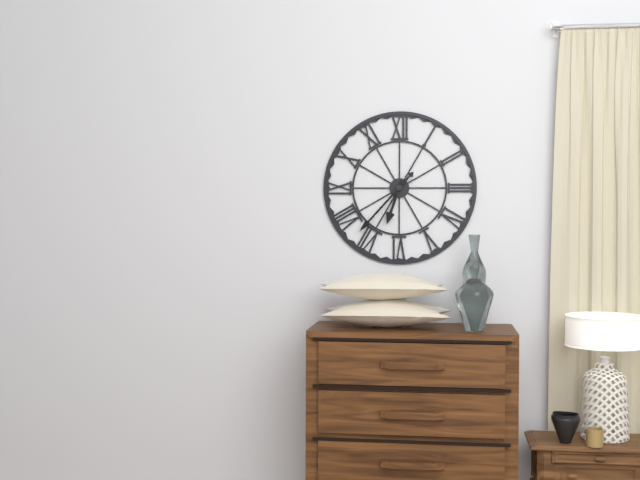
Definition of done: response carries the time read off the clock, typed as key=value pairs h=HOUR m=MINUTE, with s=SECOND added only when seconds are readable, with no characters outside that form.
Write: h=6 m=37
